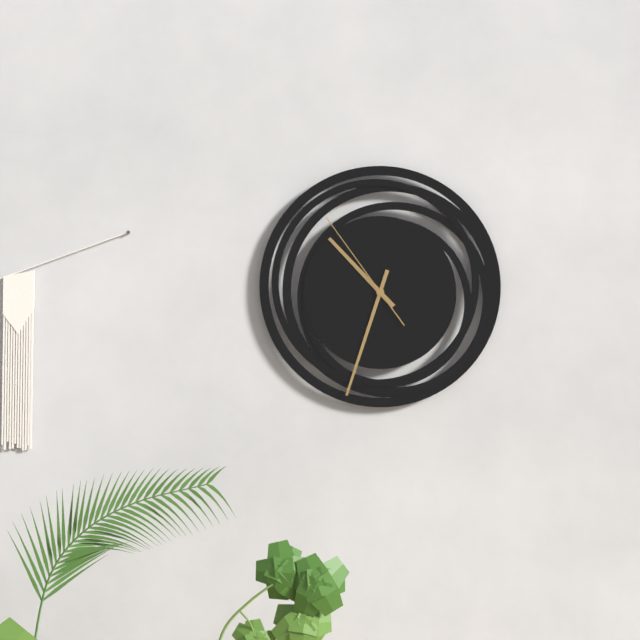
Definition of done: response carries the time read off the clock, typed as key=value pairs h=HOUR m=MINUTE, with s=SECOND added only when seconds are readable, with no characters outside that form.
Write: h=10 m=33 s=54
